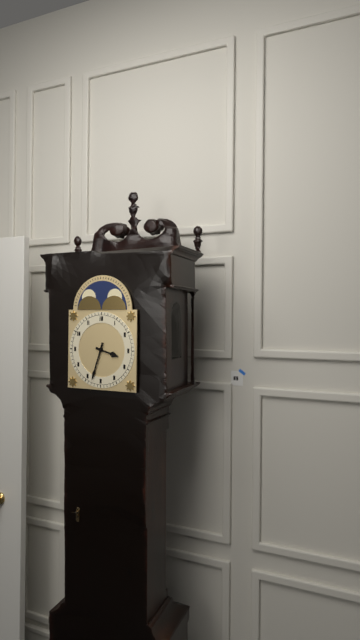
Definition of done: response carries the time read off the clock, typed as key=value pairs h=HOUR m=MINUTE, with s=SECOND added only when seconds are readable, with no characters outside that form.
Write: h=3 m=33
